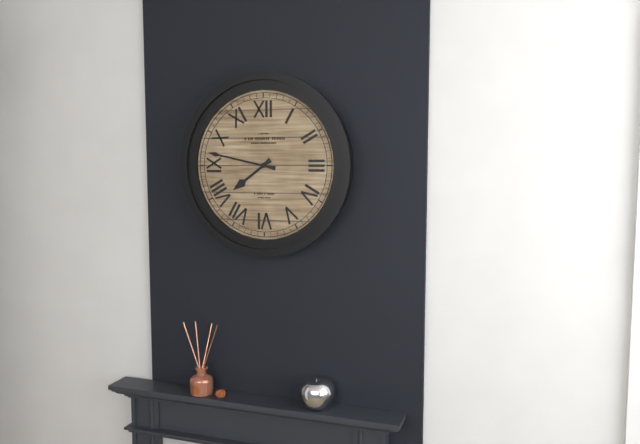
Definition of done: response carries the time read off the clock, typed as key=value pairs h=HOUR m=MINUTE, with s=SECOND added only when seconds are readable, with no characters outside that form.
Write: h=7 m=47
